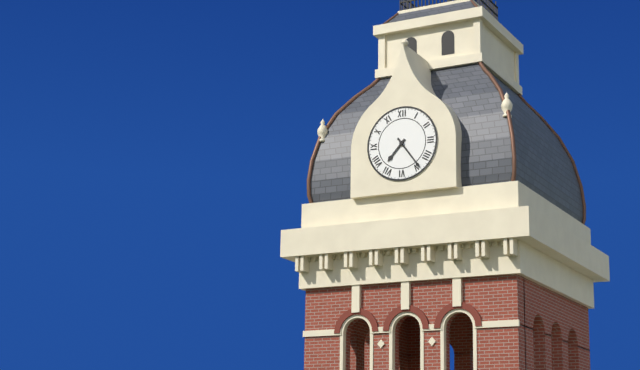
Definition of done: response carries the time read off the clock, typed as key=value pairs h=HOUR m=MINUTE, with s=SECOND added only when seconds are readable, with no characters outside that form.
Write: h=7 m=24
